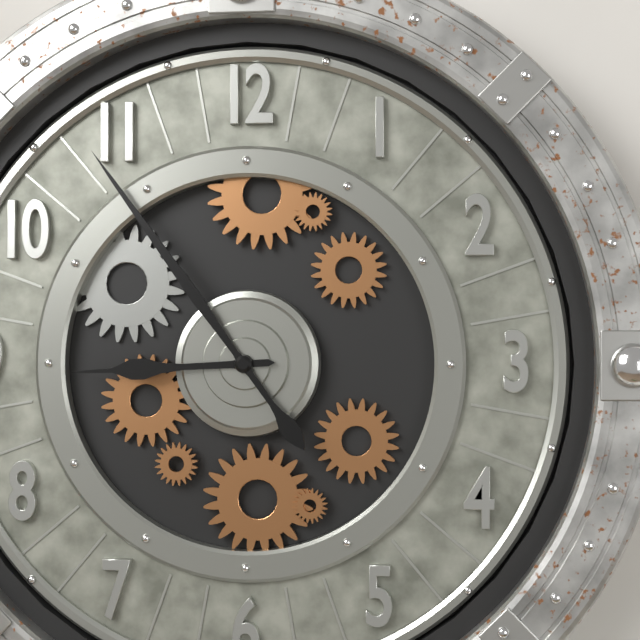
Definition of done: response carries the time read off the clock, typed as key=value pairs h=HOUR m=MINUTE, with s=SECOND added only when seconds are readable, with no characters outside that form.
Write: h=8 m=54
